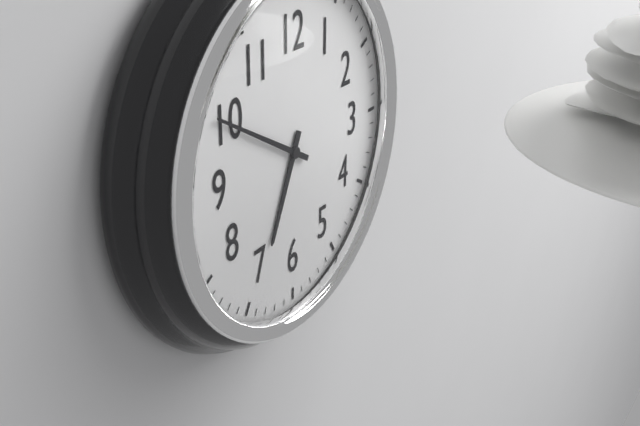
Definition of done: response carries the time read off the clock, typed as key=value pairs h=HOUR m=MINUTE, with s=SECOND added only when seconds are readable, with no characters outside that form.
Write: h=6 m=50
